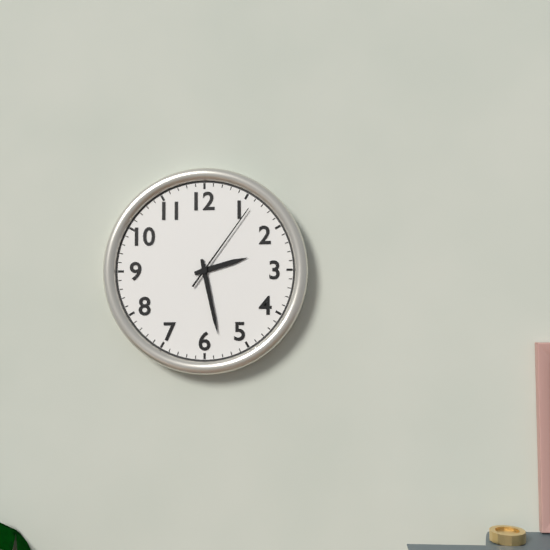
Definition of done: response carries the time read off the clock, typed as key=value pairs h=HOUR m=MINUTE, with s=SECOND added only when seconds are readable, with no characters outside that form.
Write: h=2 m=28 s=6
